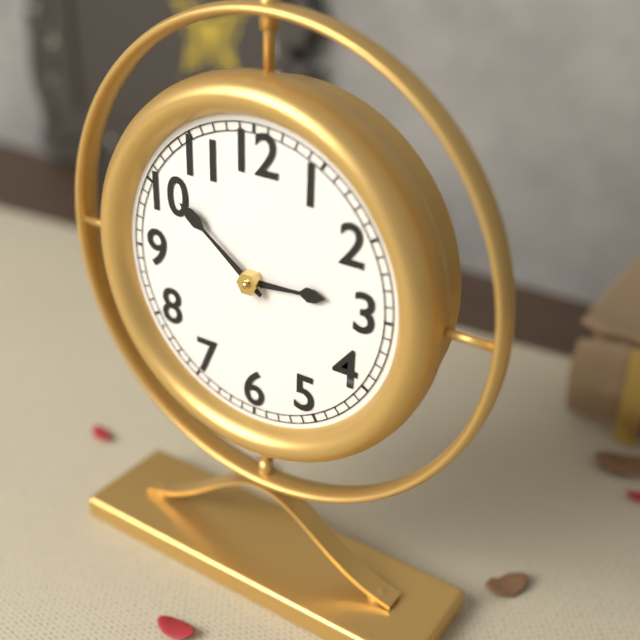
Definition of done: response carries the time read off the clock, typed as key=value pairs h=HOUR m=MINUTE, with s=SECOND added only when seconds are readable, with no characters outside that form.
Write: h=2 m=51
